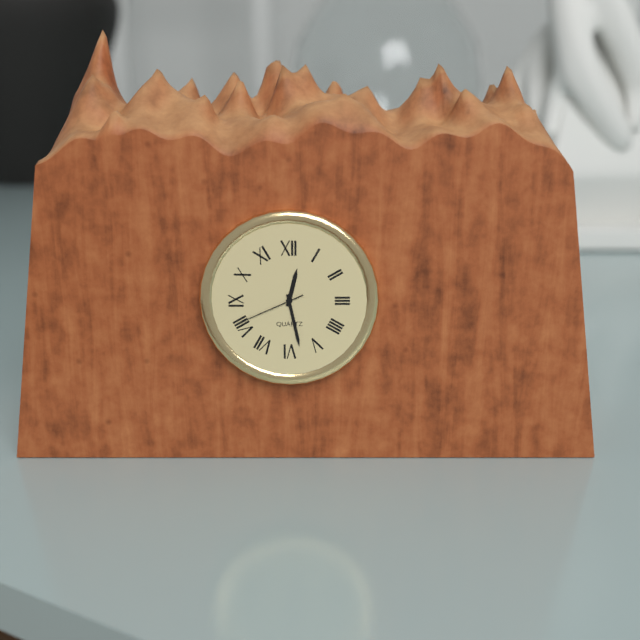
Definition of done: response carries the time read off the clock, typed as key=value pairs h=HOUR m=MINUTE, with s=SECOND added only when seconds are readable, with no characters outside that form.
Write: h=12 m=28 s=41
